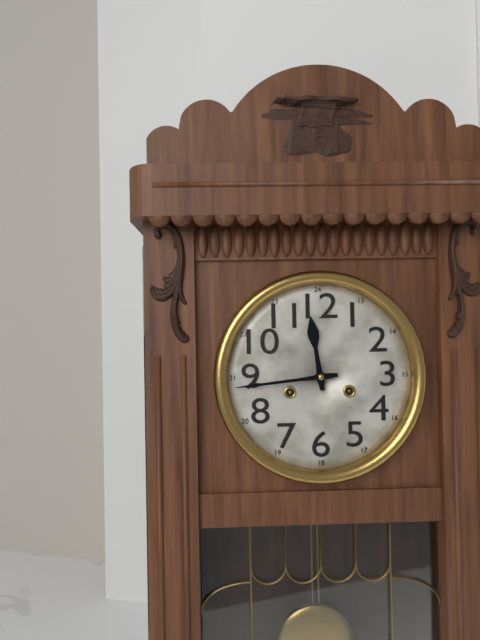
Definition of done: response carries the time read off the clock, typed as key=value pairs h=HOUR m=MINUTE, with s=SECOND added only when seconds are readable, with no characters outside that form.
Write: h=11 m=44
